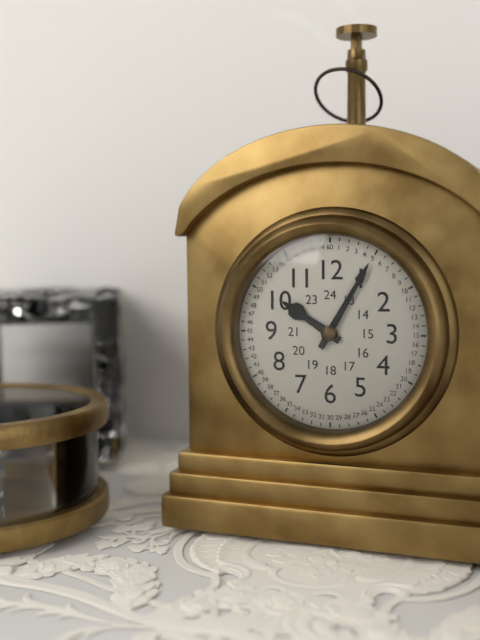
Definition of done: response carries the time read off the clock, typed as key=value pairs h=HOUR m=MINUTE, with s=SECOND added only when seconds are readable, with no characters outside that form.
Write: h=10 m=5
